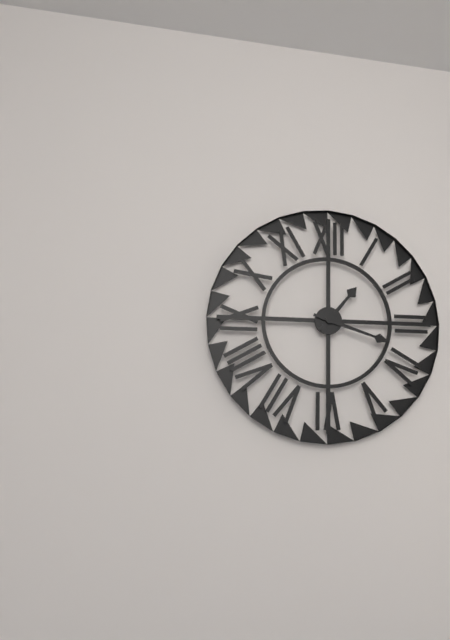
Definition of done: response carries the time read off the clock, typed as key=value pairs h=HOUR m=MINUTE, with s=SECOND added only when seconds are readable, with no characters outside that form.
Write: h=1 m=18
